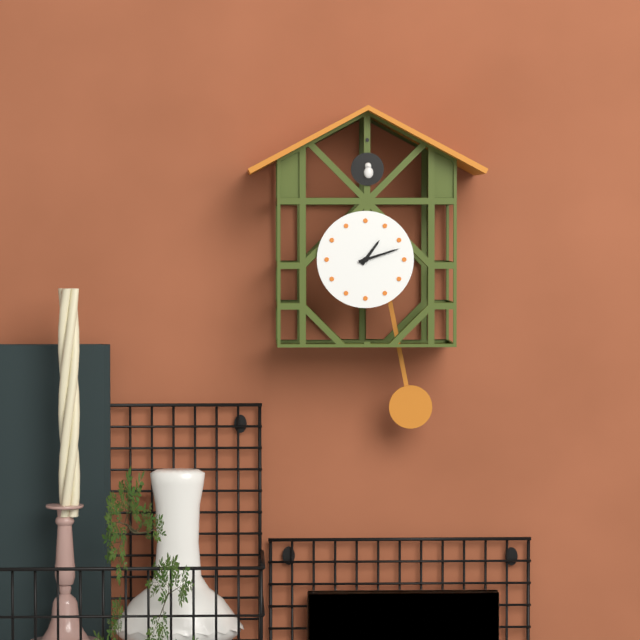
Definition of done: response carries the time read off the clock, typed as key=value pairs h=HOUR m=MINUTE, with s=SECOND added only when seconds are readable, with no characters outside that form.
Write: h=1 m=12
